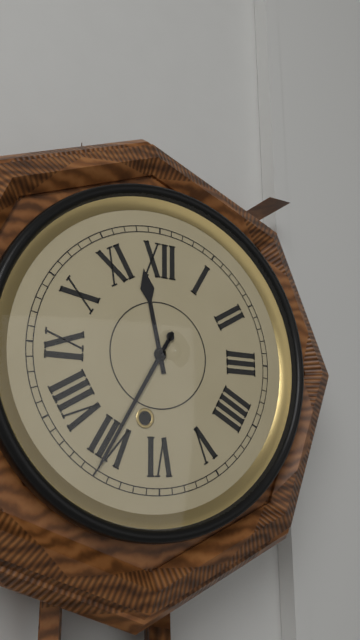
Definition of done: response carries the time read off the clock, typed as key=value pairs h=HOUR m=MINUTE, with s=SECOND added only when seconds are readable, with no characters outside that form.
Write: h=11 m=35
